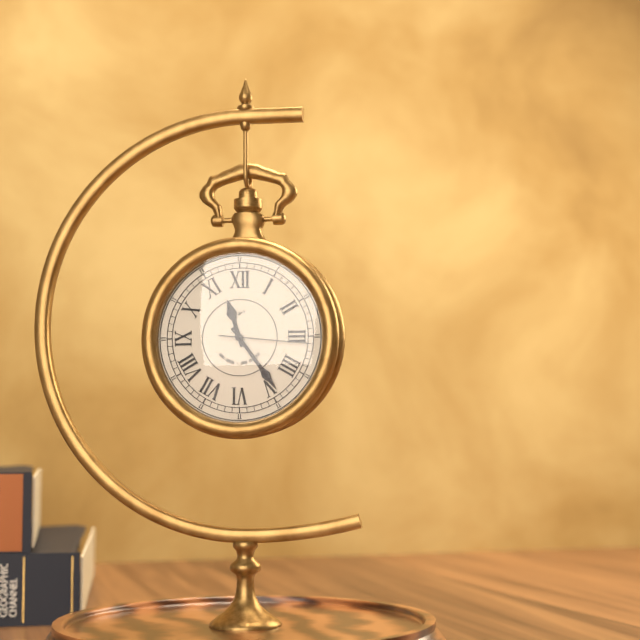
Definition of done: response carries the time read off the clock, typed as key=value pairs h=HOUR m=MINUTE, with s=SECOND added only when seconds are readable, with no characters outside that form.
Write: h=11 m=24 s=16
